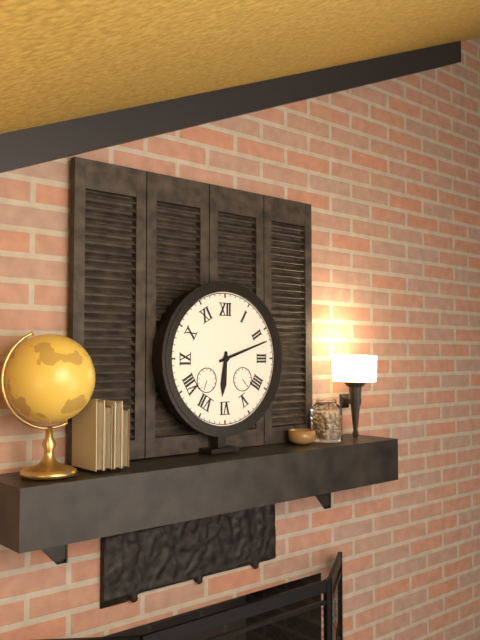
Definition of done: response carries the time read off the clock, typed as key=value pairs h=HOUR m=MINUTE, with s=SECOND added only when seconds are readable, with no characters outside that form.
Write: h=6 m=12
